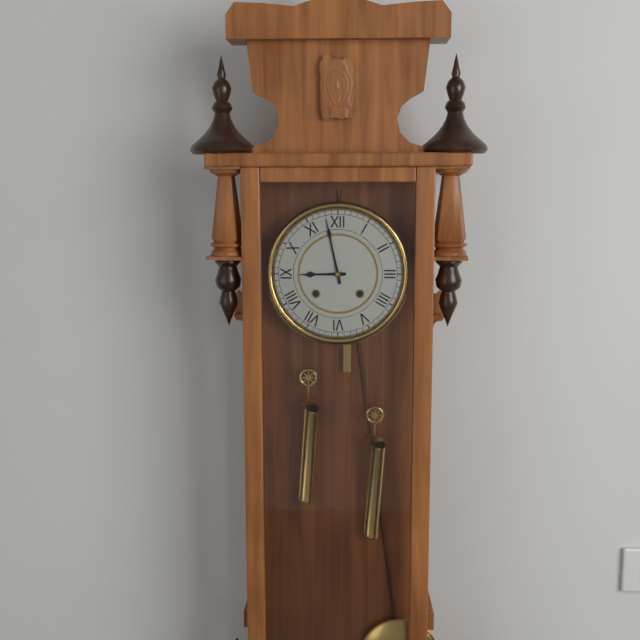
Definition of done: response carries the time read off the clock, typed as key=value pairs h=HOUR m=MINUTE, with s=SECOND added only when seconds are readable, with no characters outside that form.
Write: h=8 m=58
